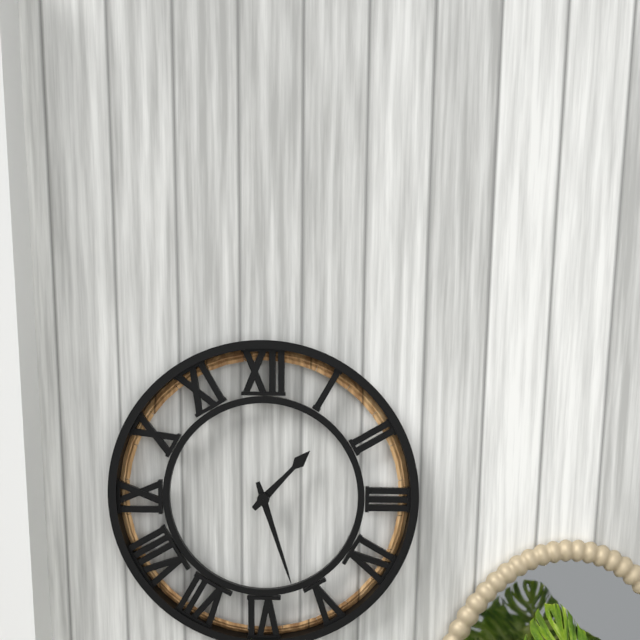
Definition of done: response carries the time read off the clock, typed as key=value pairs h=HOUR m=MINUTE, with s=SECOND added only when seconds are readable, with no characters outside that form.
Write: h=1 m=27
